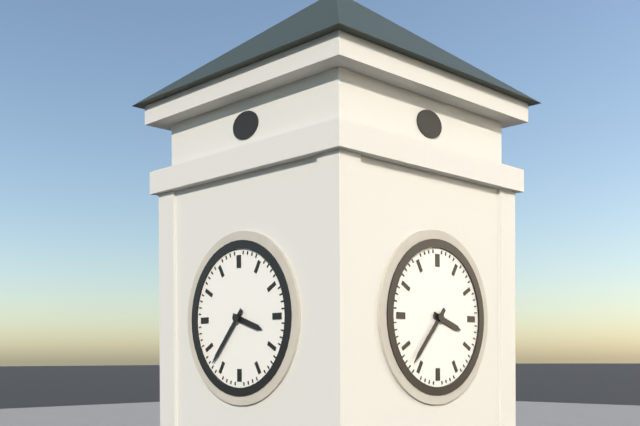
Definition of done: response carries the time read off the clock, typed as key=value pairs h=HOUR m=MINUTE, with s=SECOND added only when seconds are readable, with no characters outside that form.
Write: h=3 m=37
